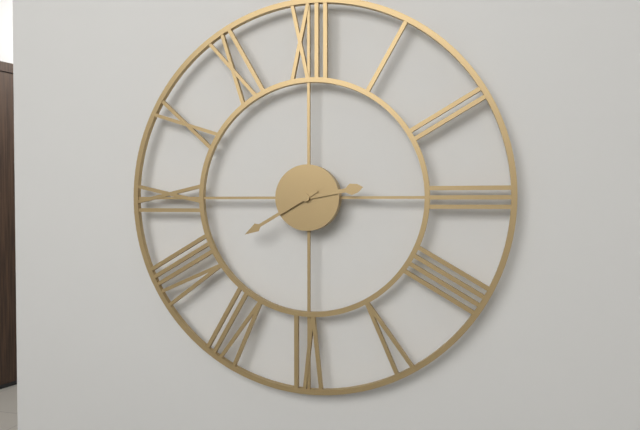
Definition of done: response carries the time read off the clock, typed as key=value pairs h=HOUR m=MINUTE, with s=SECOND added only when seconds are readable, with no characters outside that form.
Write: h=2 m=40
